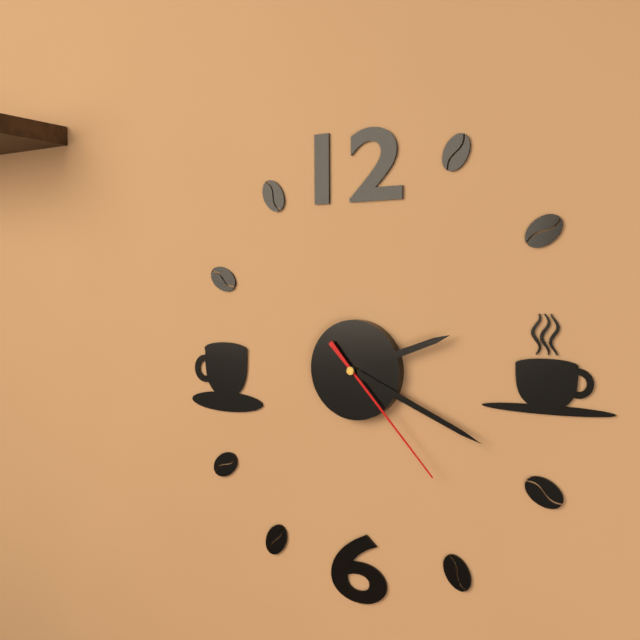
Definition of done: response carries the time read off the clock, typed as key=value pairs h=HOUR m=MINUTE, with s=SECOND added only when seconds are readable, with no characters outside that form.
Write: h=2 m=19 s=23
